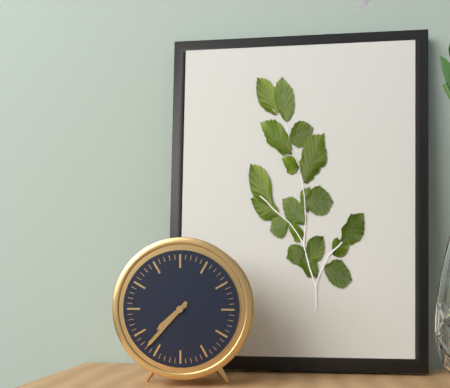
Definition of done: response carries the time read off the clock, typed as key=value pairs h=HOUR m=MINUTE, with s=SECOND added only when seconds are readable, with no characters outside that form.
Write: h=7 m=37
